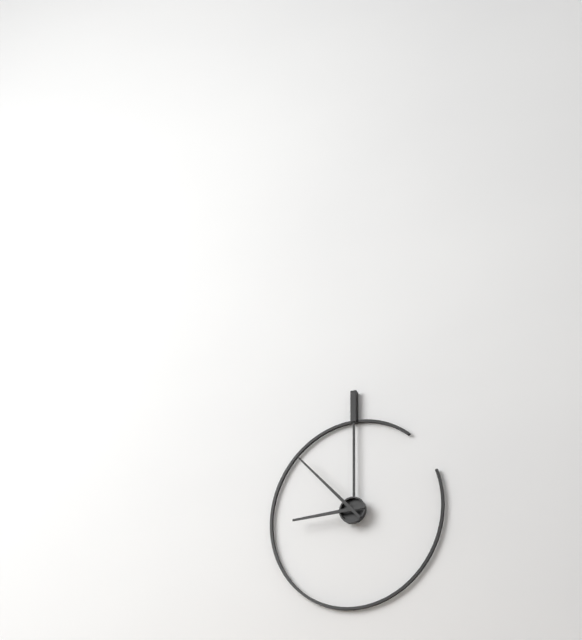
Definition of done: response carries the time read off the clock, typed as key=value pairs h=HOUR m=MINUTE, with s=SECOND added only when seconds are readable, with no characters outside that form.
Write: h=8 m=53
